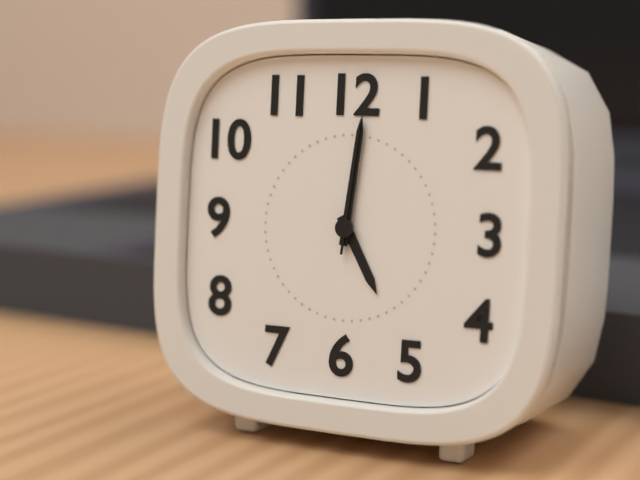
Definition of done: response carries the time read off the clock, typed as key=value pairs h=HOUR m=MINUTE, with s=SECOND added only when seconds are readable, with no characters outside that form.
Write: h=5 m=1 s=1
